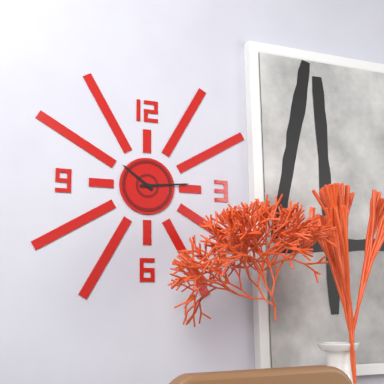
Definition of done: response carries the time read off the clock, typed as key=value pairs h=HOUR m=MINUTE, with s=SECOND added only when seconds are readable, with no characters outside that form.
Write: h=10 m=14
